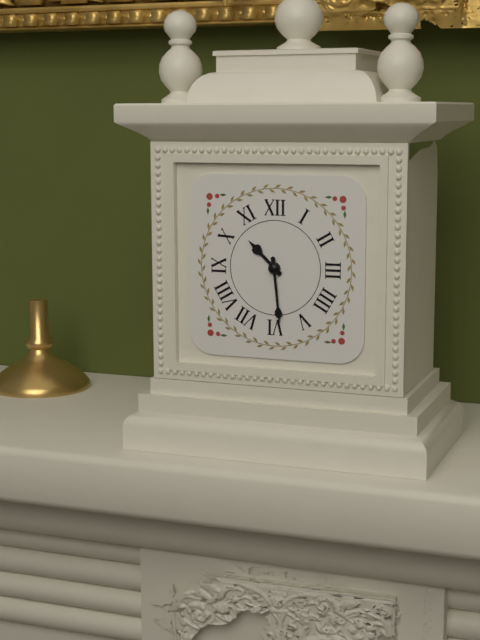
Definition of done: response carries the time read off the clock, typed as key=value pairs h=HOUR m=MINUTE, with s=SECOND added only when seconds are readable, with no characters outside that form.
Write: h=10 m=29
